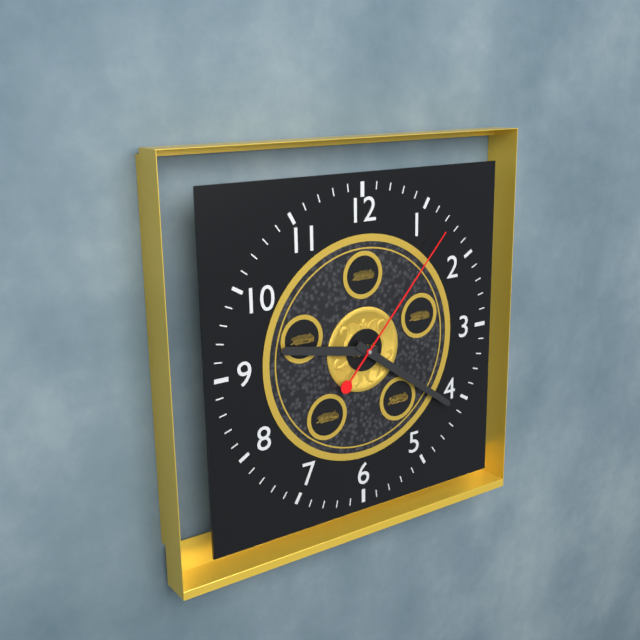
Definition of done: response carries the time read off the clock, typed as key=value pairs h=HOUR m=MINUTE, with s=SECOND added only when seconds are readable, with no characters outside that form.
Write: h=9 m=21 s=7
